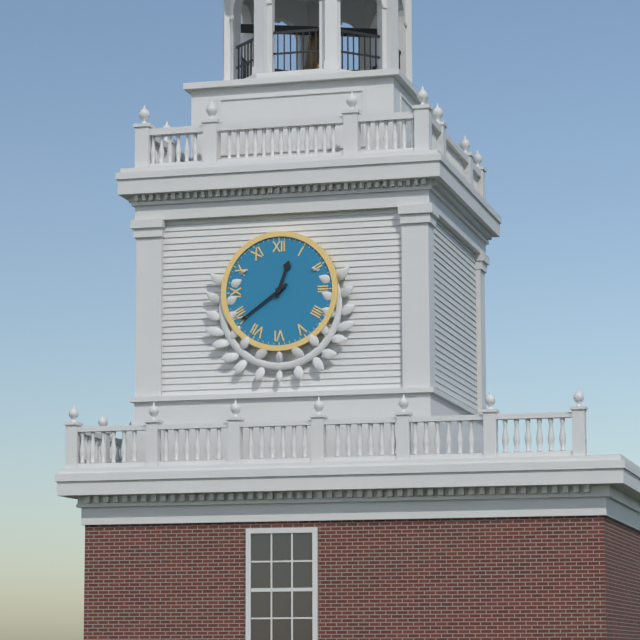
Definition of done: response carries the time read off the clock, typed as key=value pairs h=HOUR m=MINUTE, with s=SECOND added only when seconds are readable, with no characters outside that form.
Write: h=12 m=39
